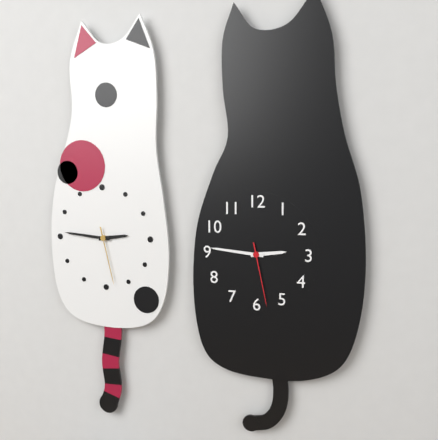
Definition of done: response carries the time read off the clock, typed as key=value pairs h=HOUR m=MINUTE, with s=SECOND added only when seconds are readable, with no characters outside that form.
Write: h=2 m=46 s=28
